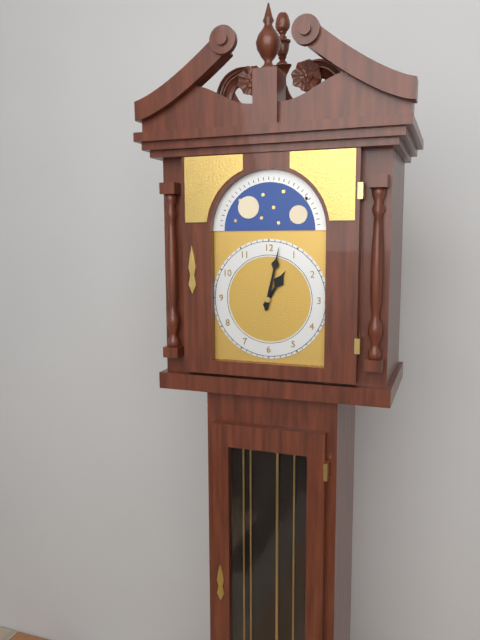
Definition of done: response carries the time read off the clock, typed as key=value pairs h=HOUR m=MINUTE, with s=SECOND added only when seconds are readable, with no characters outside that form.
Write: h=1 m=2
